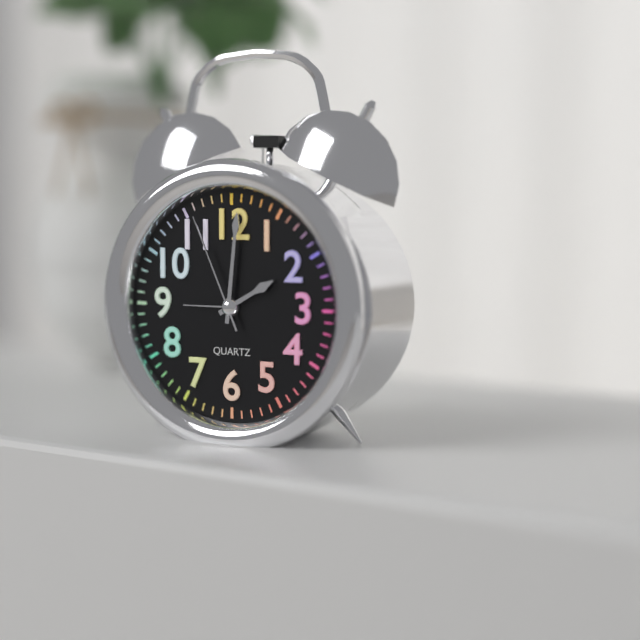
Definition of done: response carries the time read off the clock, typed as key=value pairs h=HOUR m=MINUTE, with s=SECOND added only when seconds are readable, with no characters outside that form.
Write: h=2 m=1 s=56
